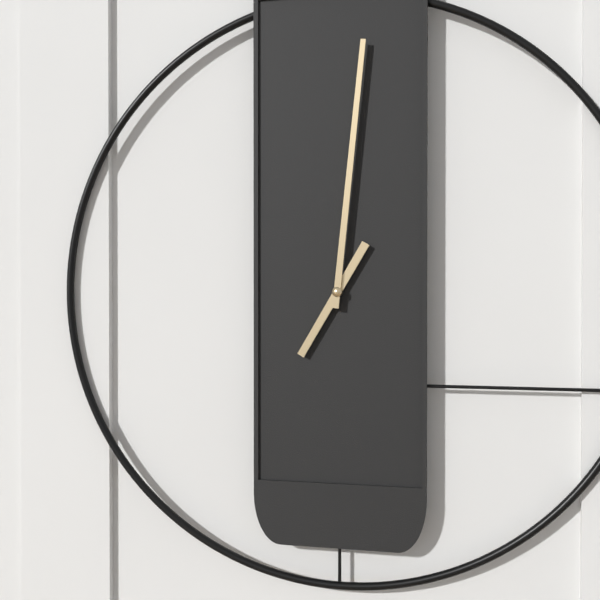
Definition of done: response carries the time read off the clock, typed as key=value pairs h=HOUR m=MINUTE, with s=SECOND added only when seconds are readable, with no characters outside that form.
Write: h=7 m=1
